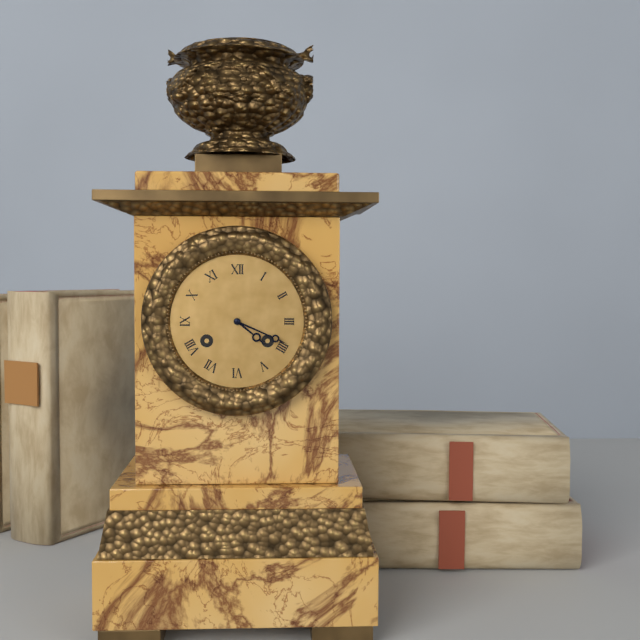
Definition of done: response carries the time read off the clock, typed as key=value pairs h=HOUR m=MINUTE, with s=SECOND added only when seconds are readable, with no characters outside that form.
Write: h=4 m=19
